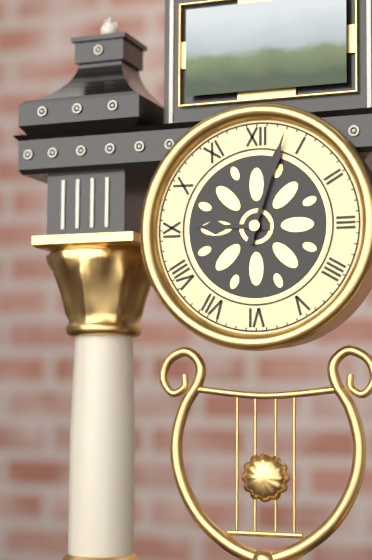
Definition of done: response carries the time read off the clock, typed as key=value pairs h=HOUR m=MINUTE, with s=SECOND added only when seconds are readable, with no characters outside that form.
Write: h=9 m=3
